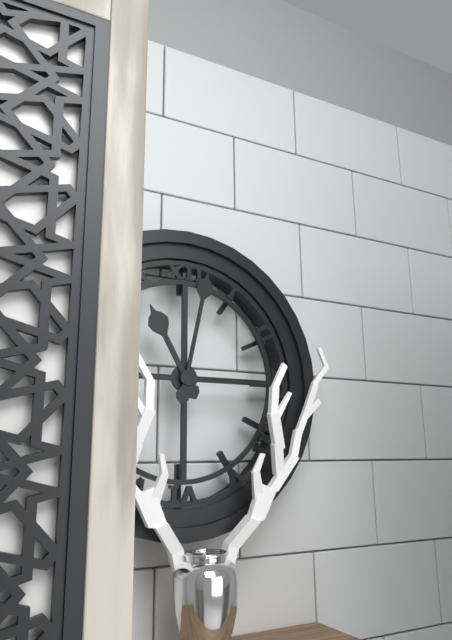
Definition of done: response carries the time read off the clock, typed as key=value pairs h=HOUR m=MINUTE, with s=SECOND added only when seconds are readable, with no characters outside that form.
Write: h=11 m=2
